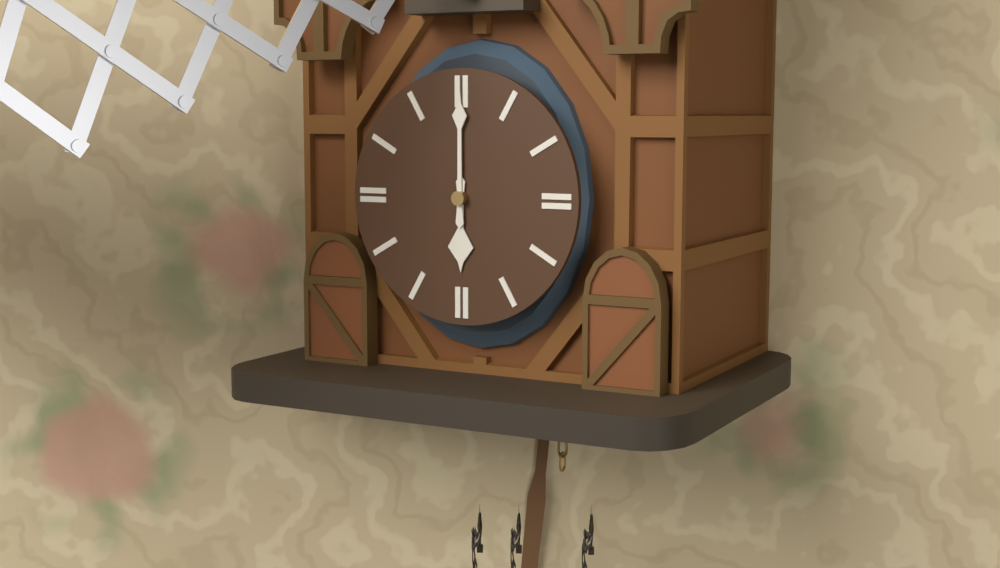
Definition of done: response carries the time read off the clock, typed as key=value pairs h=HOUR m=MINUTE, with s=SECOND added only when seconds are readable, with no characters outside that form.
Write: h=6 m=0
